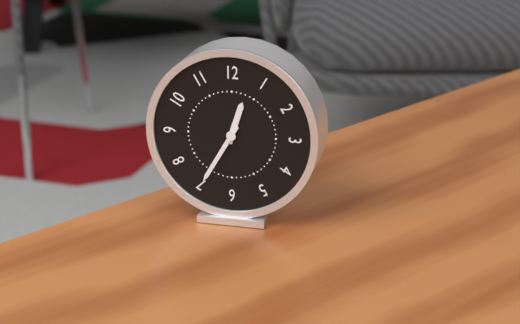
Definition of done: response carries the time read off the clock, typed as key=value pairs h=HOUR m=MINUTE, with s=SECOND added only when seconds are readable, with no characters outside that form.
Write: h=12 m=35
